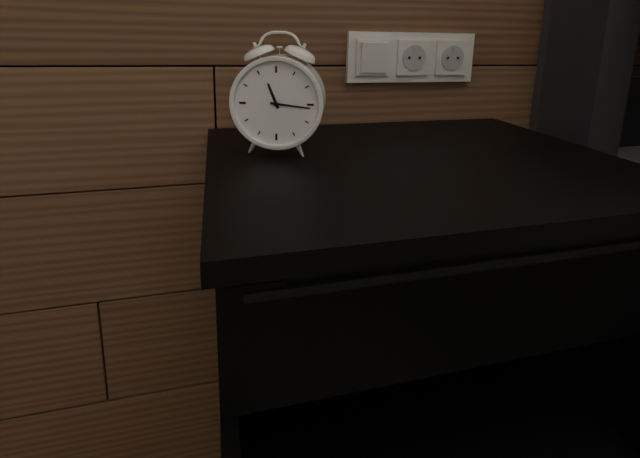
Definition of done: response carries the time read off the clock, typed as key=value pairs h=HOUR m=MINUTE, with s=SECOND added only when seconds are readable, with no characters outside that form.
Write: h=11 m=16
